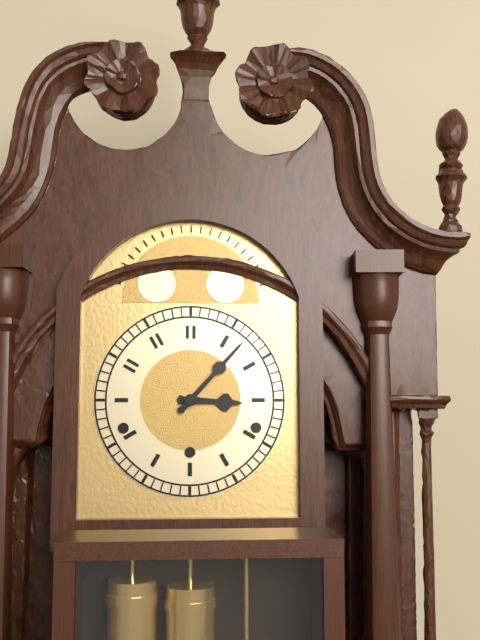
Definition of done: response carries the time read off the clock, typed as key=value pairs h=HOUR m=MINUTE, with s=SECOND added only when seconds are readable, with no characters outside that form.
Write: h=3 m=7
